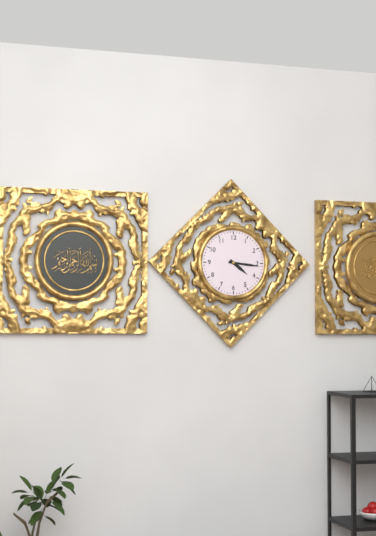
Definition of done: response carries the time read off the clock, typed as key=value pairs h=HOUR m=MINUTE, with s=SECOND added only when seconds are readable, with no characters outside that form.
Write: h=4 m=16
